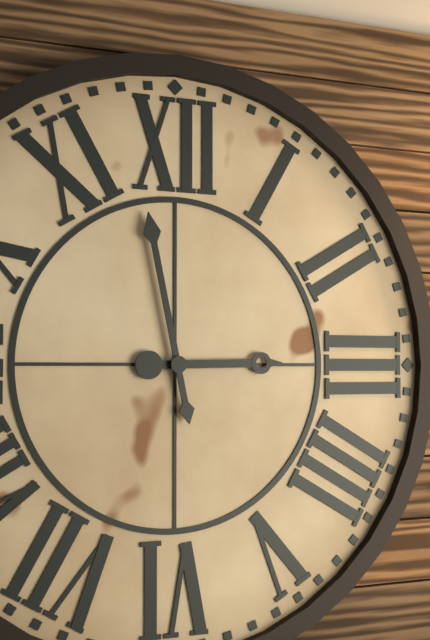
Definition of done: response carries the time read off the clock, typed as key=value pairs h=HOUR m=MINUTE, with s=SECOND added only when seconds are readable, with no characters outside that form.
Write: h=2 m=58
